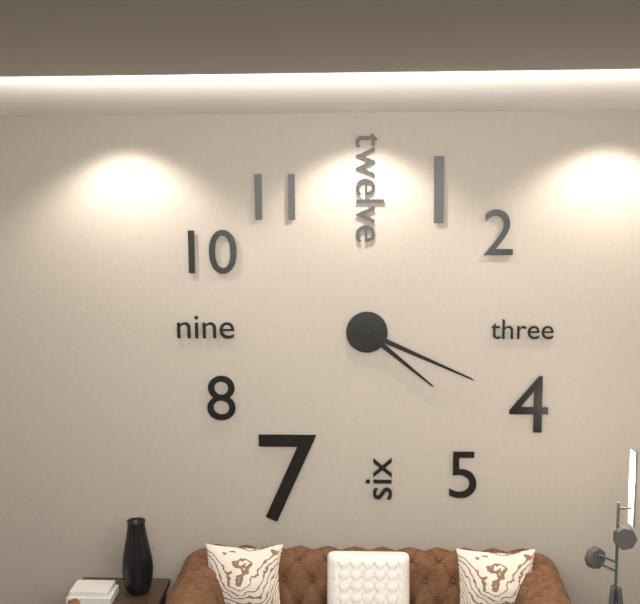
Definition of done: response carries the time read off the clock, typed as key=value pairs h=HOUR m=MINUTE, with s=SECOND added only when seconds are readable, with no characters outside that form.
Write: h=4 m=19
